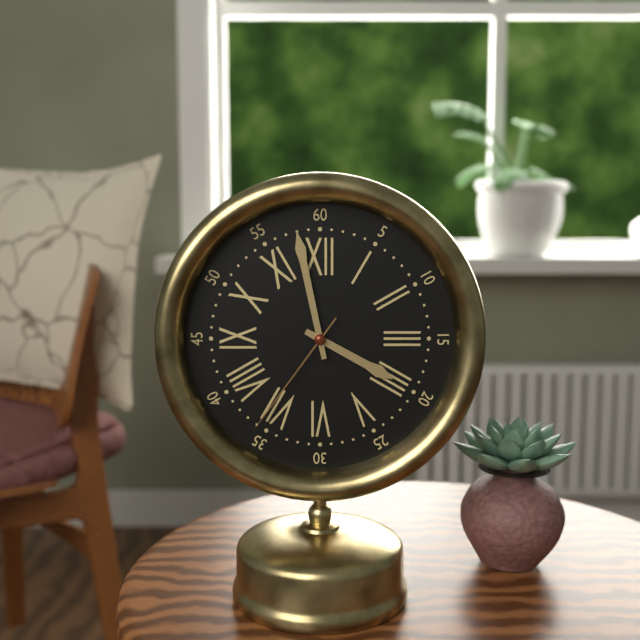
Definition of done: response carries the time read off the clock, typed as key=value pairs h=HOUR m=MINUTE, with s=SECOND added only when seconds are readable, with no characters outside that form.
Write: h=3 m=58 s=36
